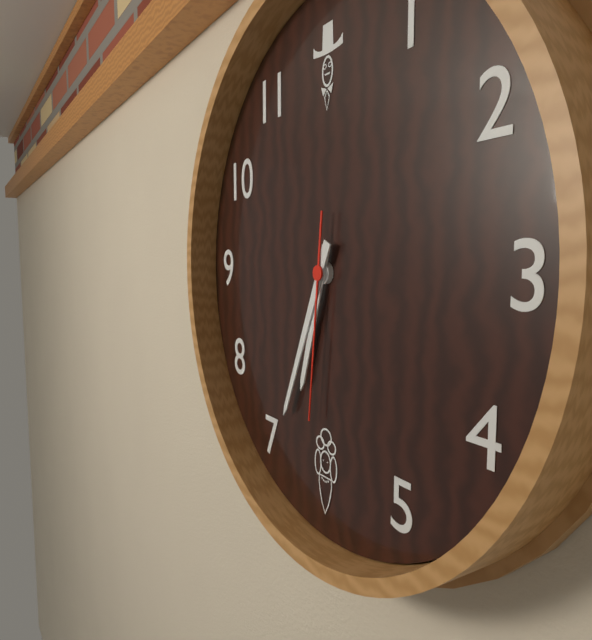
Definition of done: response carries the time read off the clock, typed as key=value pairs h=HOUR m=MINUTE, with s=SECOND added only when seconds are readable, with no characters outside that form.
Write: h=6 m=34 s=31
